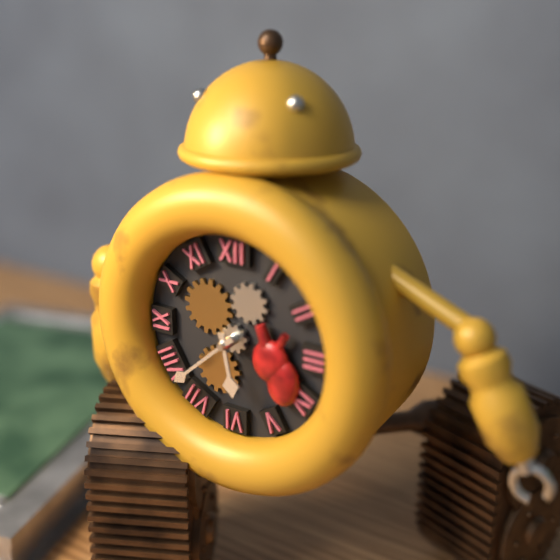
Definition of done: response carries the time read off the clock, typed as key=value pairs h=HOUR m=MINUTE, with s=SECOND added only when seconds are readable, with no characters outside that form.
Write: h=5 m=38
